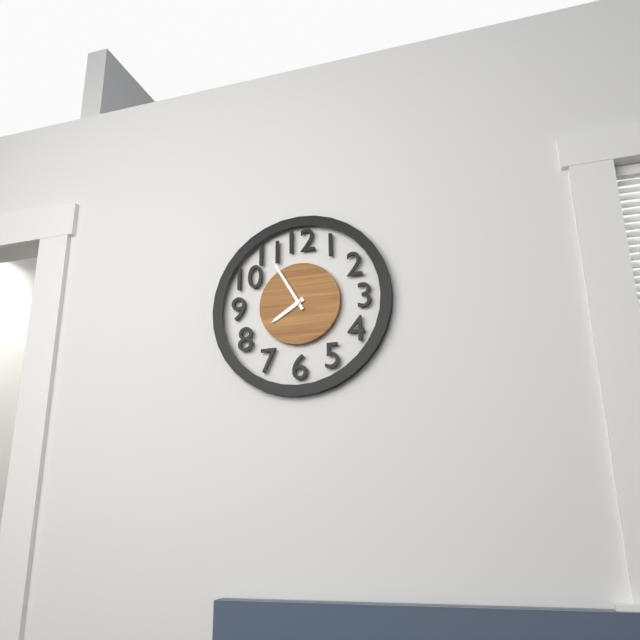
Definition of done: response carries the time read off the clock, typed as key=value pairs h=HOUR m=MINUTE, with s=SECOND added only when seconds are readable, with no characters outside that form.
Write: h=7 m=55
